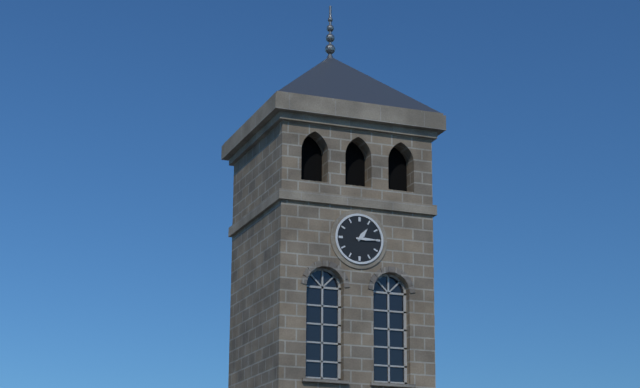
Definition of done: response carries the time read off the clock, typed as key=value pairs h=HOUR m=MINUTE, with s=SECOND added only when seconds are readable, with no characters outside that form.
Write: h=1 m=15
